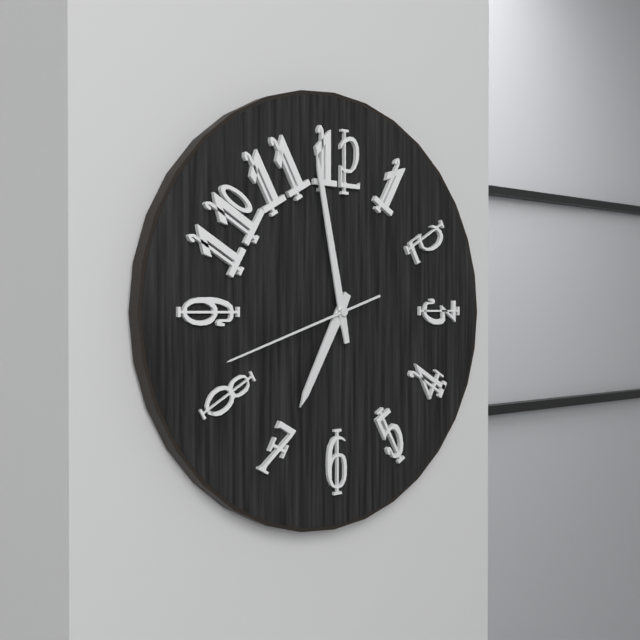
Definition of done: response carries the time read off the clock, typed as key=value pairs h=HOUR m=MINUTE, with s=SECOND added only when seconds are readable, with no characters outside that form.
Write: h=6 m=58 s=42
